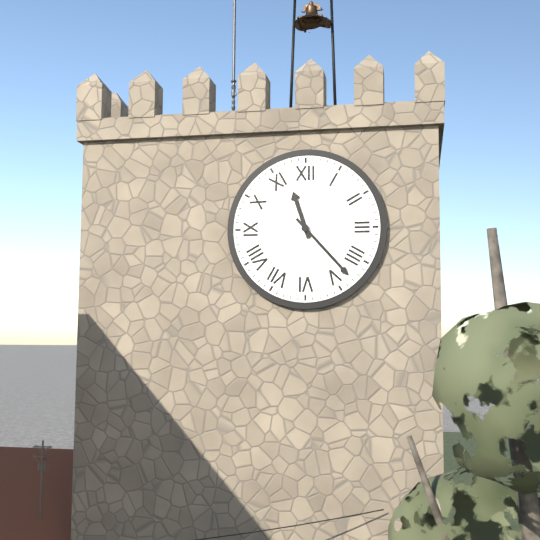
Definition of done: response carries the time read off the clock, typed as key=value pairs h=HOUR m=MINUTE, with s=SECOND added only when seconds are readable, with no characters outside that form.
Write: h=11 m=23
